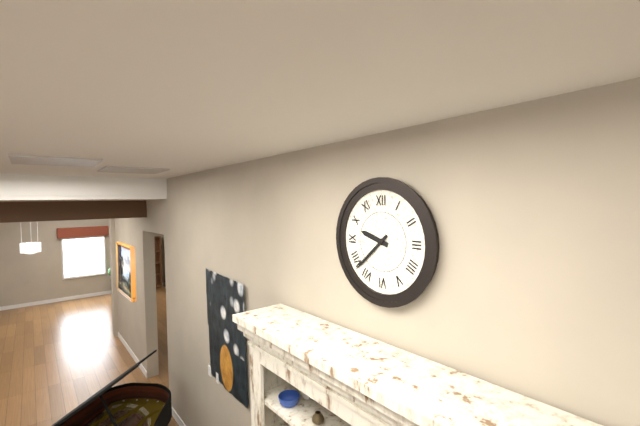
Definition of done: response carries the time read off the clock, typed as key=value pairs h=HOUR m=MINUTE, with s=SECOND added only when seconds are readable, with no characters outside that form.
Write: h=9 m=38
